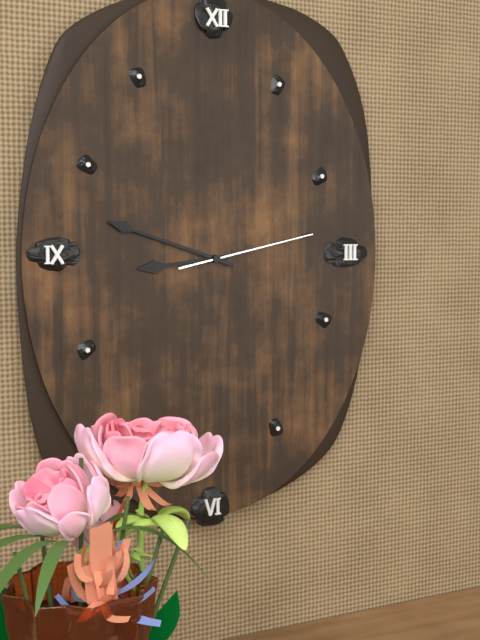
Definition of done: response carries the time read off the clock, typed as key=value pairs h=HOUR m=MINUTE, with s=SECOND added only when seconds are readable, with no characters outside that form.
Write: h=8 m=48 s=13
